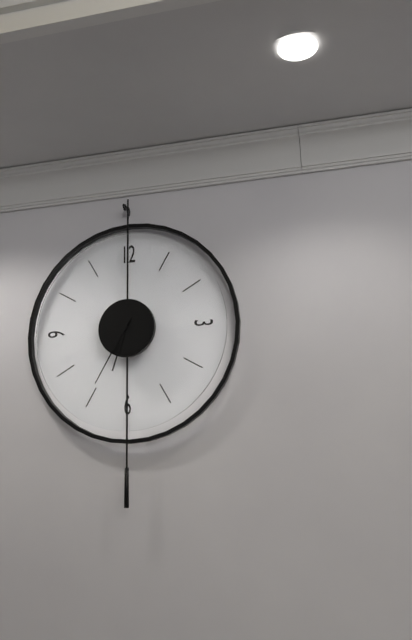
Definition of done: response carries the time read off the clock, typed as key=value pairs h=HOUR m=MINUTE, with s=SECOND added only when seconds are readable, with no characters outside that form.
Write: h=6 m=35
